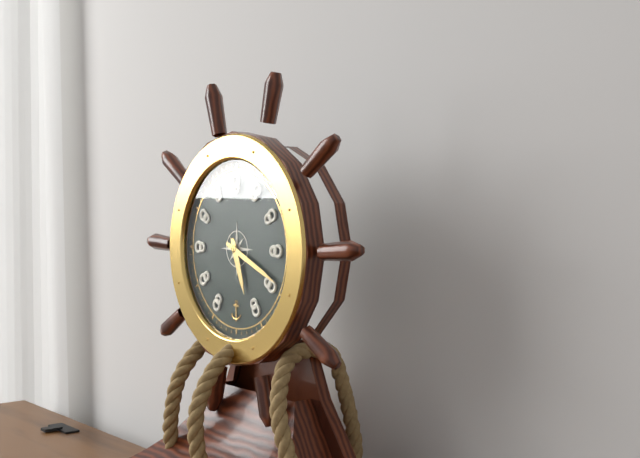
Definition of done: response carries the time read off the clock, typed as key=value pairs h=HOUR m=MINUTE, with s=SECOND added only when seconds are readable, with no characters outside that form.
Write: h=5 m=19
